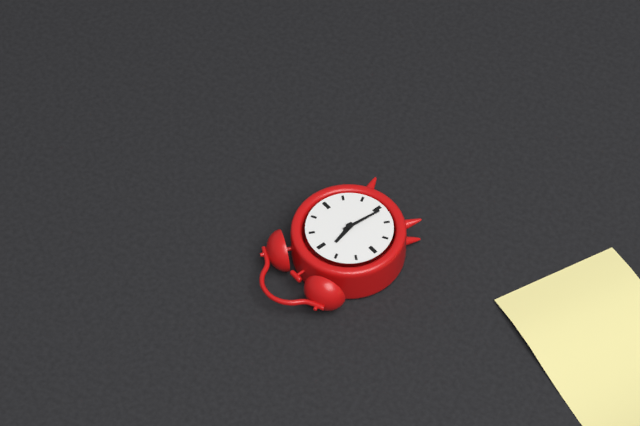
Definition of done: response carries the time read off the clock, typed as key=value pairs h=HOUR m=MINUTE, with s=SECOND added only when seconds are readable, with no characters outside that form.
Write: h=11 m=31
